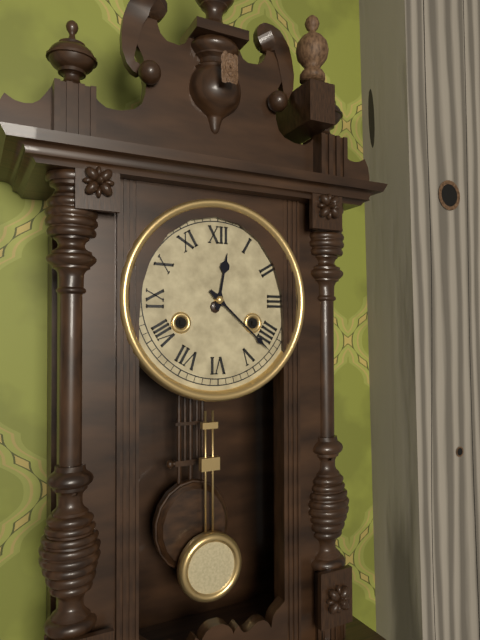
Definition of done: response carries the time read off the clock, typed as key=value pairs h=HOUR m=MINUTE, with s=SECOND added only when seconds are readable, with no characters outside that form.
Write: h=12 m=22
